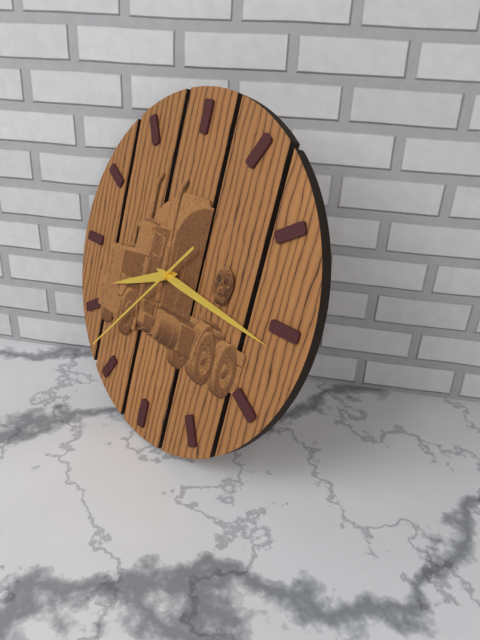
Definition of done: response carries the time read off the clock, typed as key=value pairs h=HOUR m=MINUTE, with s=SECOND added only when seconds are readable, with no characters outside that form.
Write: h=8 m=16 s=37
